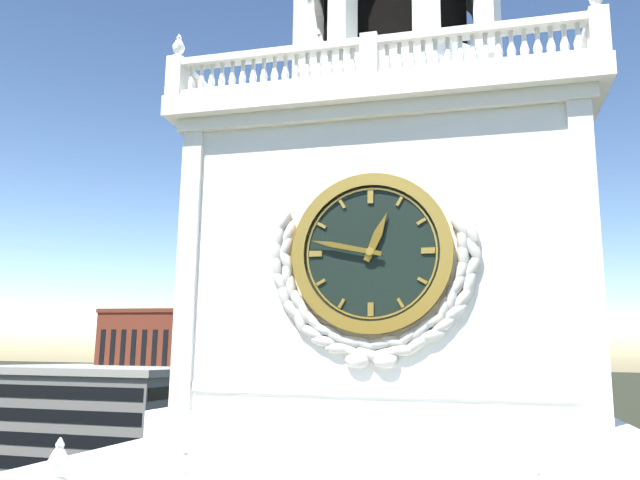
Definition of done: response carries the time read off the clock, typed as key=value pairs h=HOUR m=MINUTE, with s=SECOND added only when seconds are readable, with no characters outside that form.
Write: h=12 m=47
